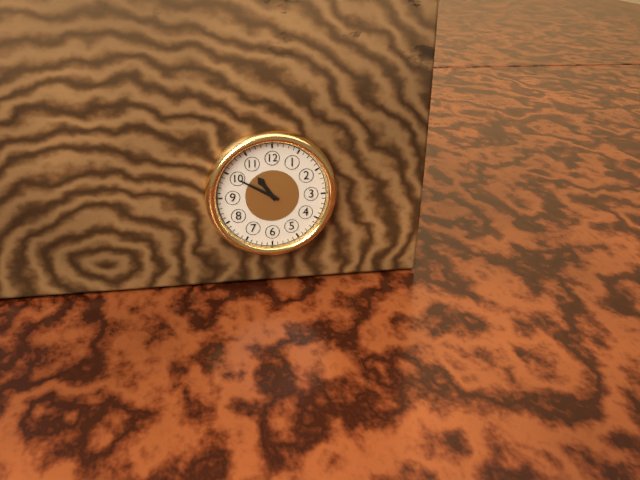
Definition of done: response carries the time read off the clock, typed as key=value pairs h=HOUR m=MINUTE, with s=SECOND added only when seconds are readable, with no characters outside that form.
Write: h=10 m=50
